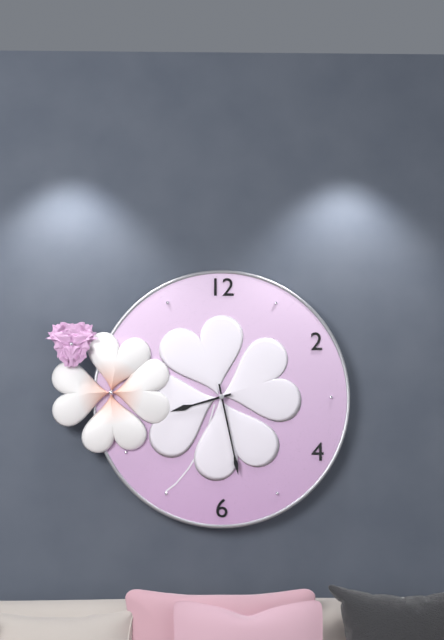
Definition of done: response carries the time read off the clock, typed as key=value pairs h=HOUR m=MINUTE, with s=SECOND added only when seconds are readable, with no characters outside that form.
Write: h=8 m=28
